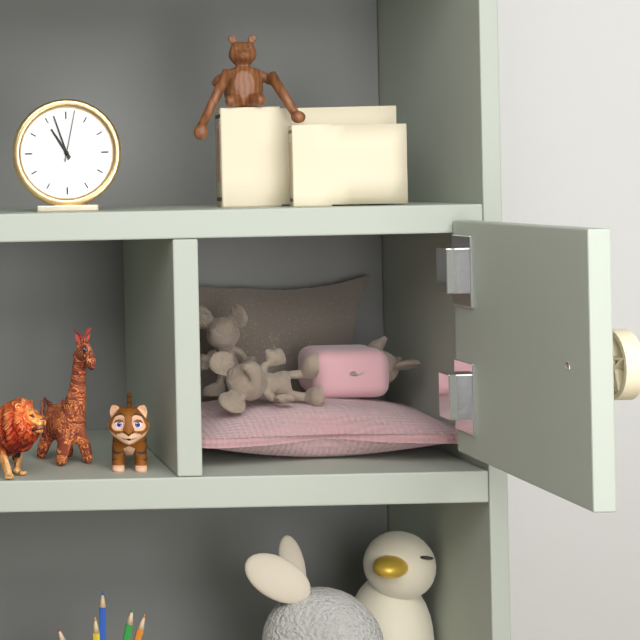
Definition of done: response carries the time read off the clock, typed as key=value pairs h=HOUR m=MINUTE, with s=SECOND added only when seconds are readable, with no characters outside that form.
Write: h=10 m=57 s=2
